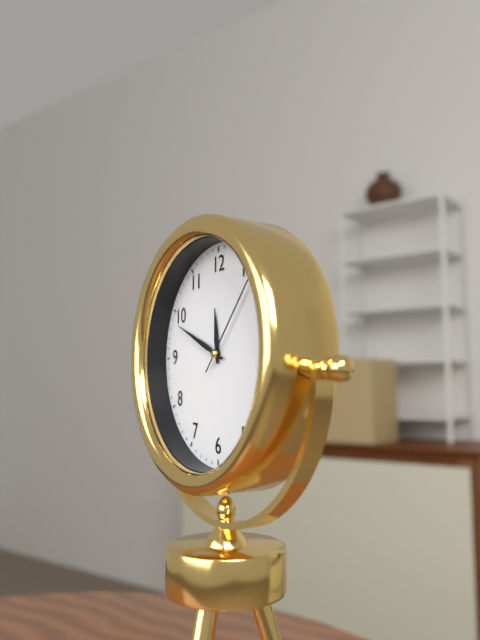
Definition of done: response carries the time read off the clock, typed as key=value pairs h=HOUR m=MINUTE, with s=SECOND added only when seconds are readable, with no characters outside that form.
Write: h=11 m=49 s=7
